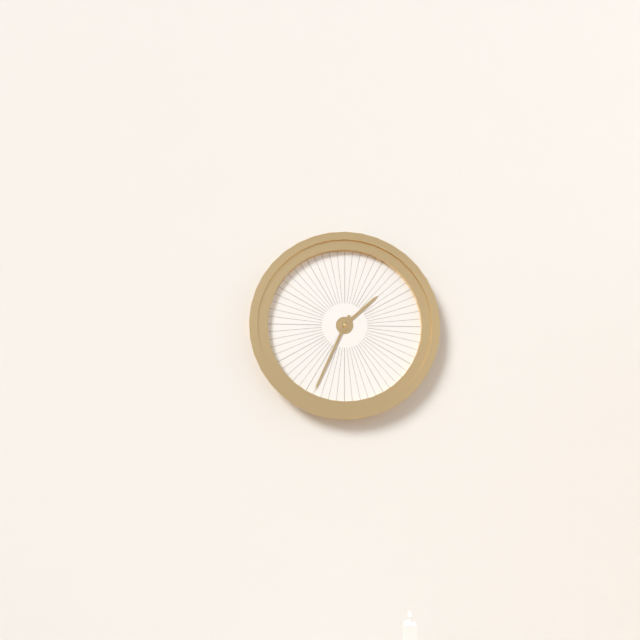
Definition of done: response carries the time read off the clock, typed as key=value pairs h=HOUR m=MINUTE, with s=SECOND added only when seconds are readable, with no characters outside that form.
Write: h=1 m=34
